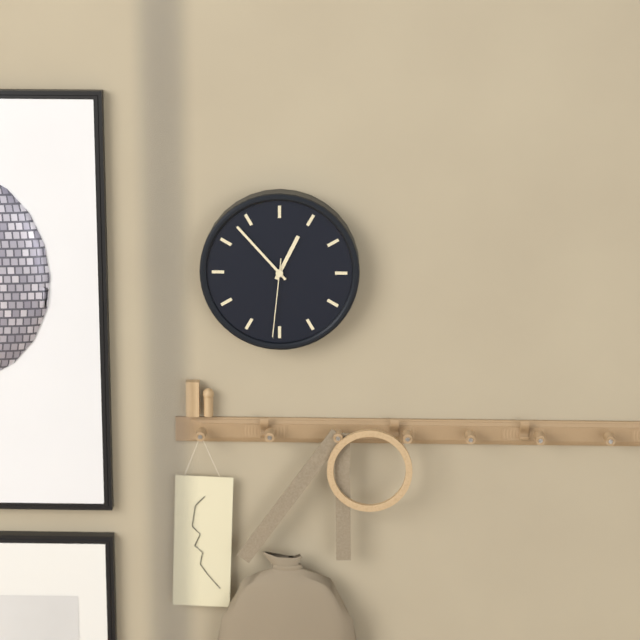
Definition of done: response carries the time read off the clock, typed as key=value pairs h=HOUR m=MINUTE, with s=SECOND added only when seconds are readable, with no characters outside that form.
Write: h=12 m=53 s=31
